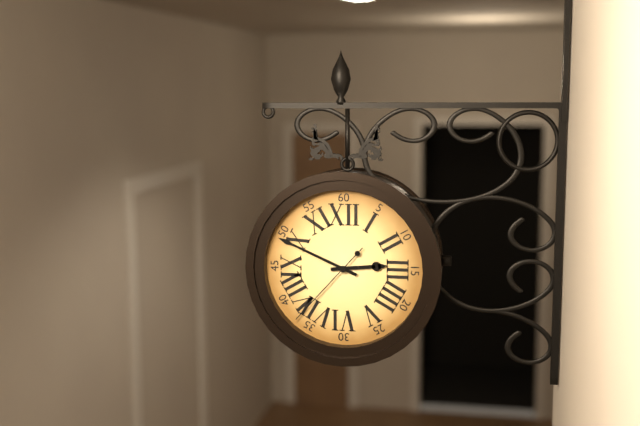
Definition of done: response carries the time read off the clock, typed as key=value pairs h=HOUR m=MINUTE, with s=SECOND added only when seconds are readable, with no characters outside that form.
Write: h=2 m=49 s=37
